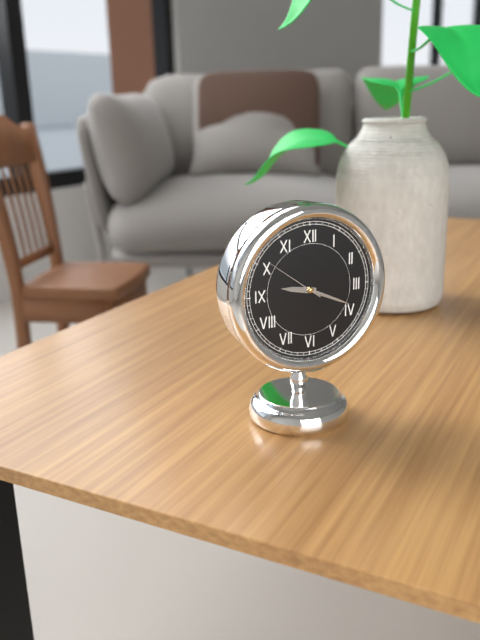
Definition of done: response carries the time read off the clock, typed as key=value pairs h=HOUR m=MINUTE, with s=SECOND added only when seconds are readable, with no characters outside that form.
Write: h=9 m=19 s=51
